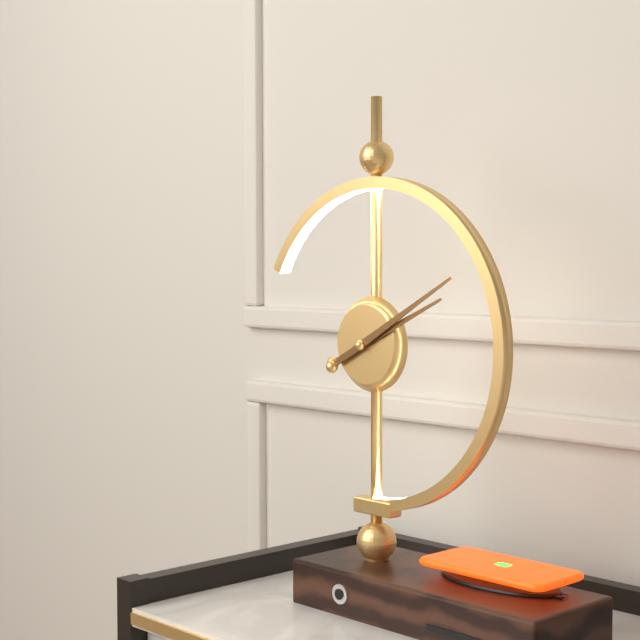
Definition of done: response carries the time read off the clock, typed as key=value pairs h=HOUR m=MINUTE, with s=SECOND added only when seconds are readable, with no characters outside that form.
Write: h=2 m=10
